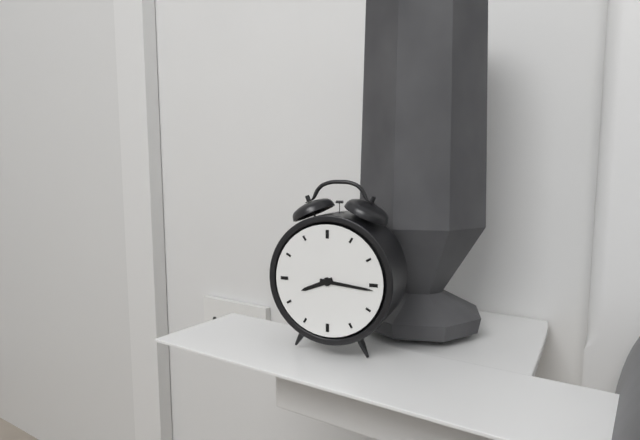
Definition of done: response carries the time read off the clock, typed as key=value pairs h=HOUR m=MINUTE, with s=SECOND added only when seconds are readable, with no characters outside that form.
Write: h=8 m=16
